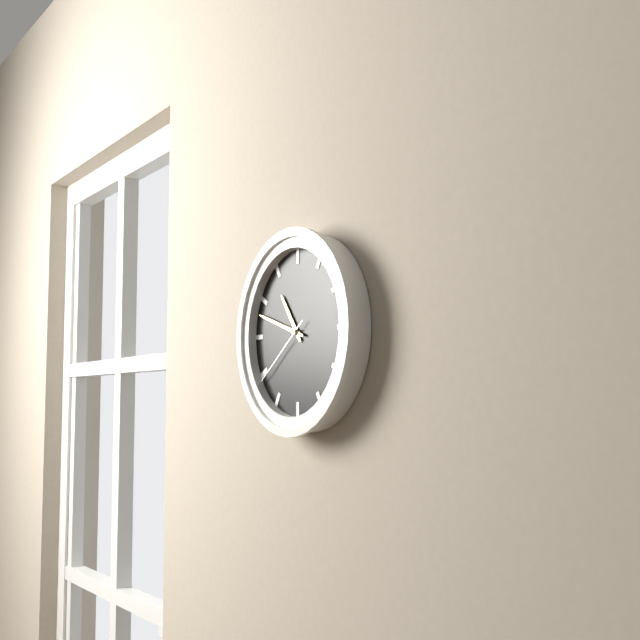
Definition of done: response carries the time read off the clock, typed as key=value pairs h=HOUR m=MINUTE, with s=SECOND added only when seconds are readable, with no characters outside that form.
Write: h=10 m=48 s=39
